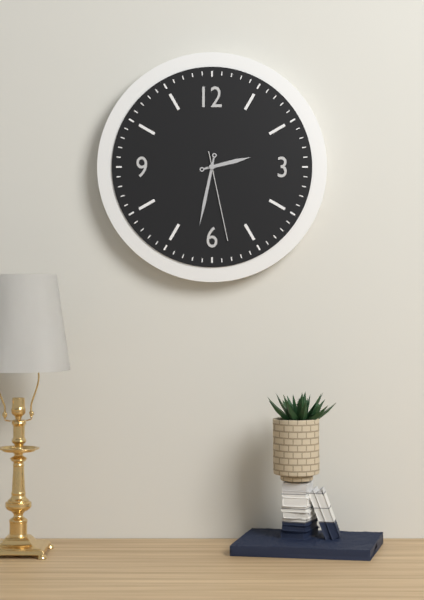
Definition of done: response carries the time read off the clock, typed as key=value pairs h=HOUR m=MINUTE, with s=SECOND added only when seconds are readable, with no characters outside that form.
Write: h=2 m=32 s=28
